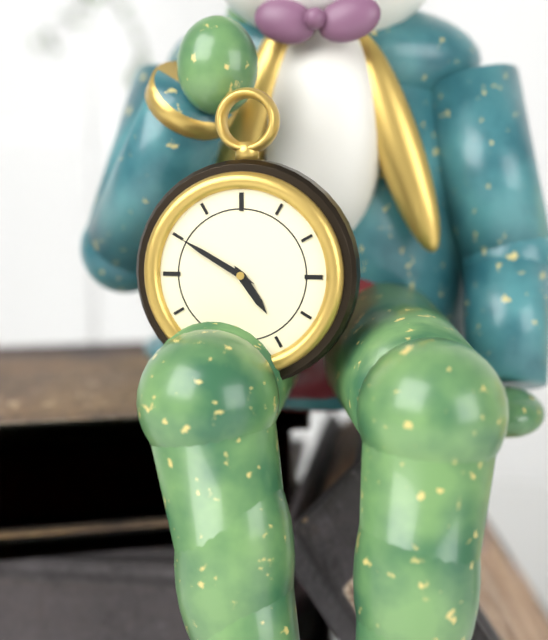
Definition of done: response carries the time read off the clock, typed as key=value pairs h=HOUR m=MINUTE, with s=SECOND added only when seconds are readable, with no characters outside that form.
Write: h=4 m=50
